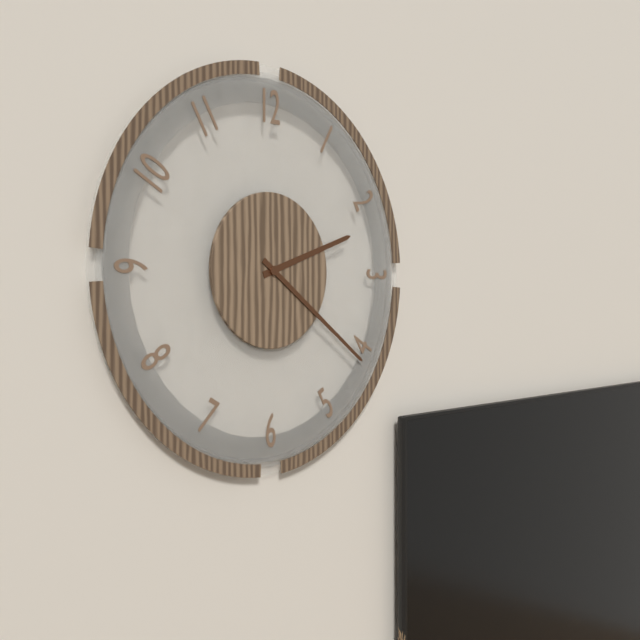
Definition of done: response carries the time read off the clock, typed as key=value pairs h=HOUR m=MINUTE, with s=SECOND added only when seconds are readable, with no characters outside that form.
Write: h=2 m=21
